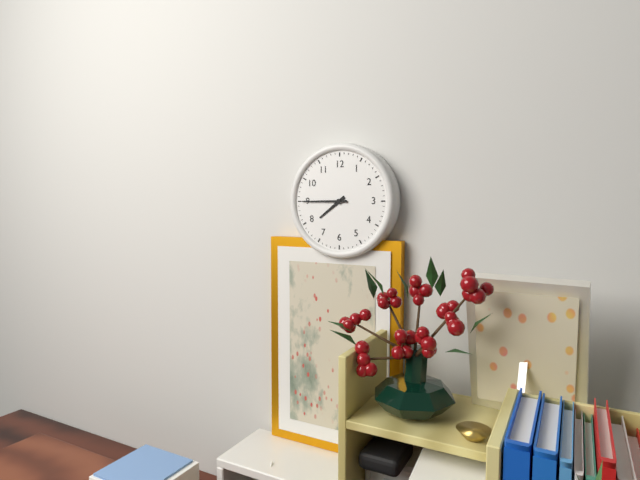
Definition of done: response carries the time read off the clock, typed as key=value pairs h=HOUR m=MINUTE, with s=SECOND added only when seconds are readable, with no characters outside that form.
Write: h=7 m=45
